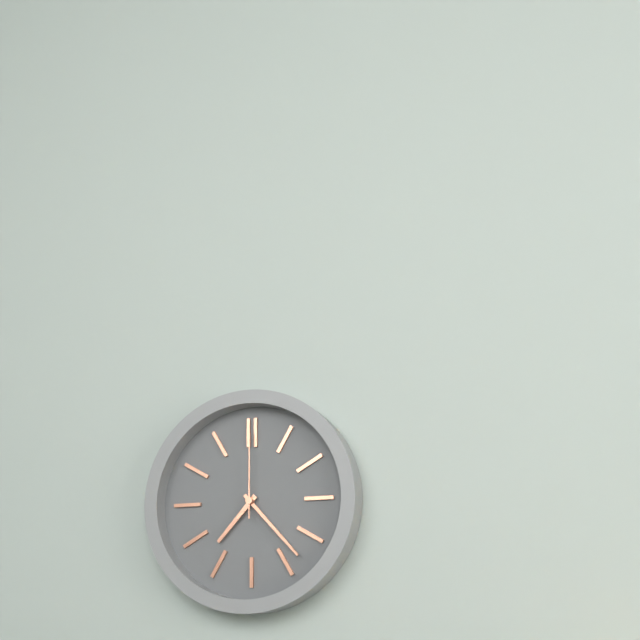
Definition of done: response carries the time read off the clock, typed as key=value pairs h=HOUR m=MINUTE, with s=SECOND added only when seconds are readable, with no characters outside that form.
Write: h=7 m=23 s=0
